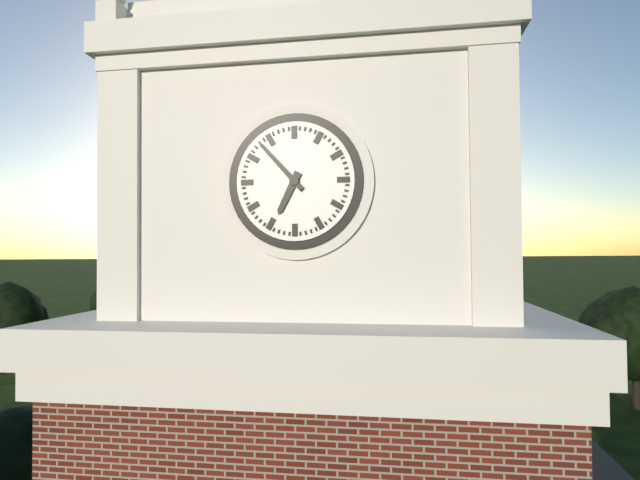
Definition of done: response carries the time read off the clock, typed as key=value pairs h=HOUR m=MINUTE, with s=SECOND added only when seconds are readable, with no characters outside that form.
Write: h=6 m=53
